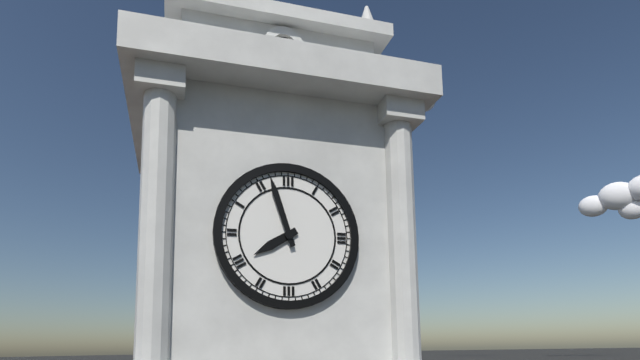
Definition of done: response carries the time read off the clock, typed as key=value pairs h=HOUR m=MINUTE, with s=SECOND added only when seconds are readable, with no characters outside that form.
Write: h=7 m=57
